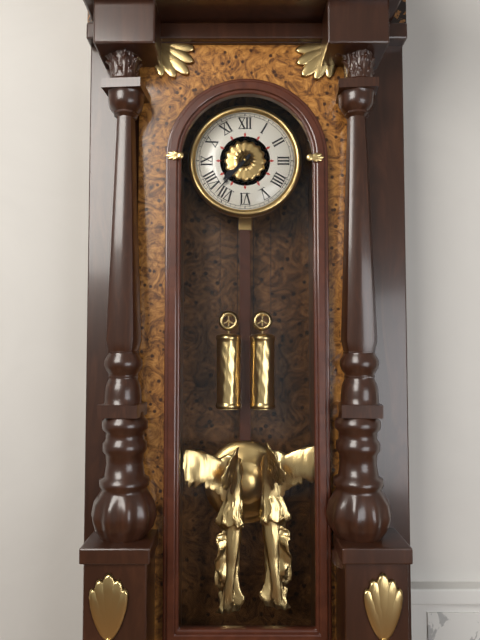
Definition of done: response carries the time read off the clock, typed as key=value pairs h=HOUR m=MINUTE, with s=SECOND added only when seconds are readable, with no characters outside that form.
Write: h=7 m=37
